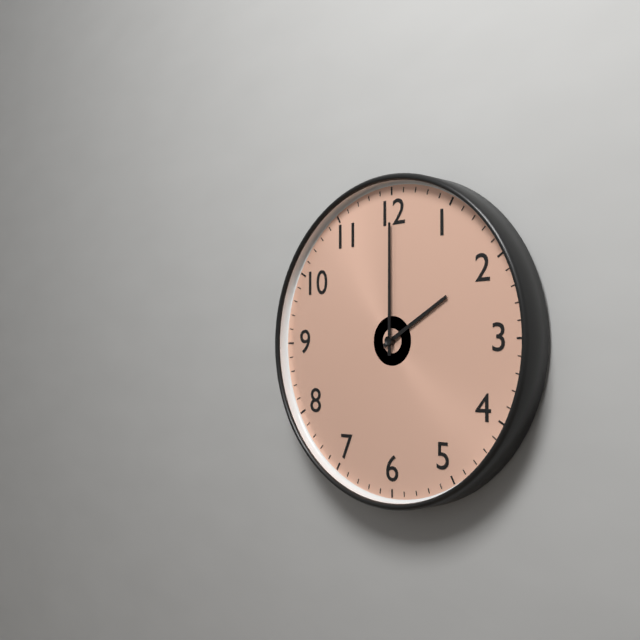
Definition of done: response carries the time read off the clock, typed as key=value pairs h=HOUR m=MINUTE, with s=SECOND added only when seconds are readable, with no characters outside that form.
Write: h=2 m=0
